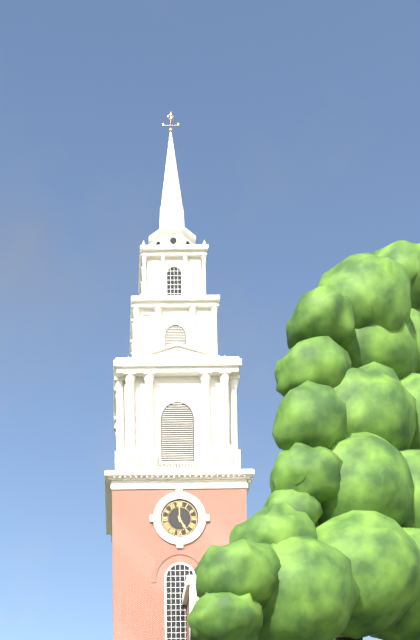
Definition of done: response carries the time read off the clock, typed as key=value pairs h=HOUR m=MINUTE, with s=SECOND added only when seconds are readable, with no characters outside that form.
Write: h=5 m=0
